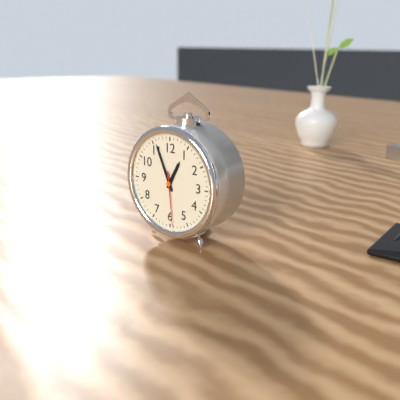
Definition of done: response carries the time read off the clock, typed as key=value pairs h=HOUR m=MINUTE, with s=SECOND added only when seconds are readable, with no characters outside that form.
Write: h=12 m=56 s=29
